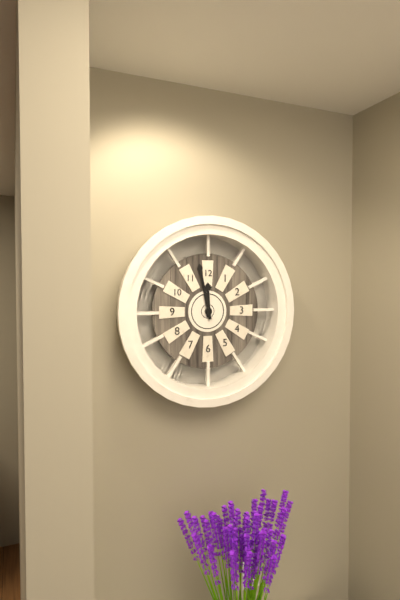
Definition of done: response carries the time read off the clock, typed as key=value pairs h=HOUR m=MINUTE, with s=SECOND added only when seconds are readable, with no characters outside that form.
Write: h=11 m=58
